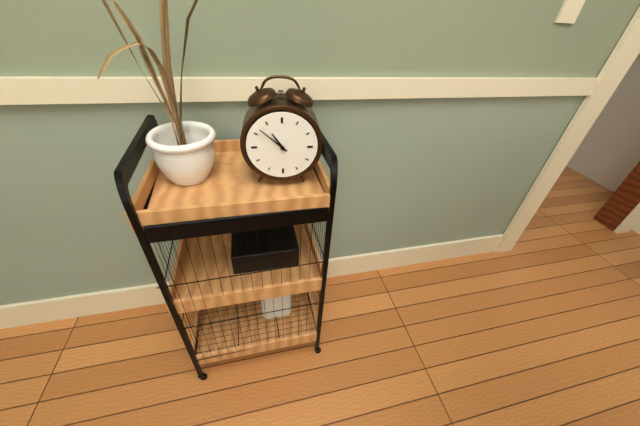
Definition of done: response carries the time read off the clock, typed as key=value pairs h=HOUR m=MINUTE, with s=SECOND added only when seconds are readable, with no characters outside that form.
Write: h=10 m=52
